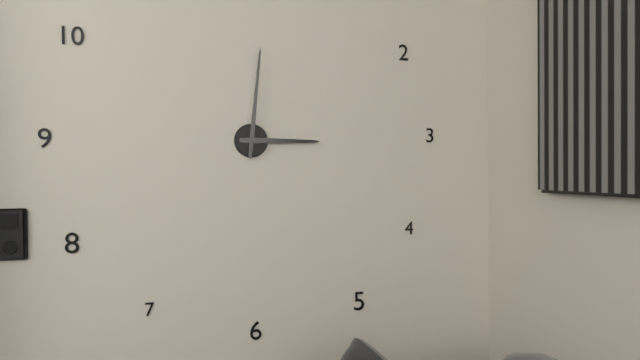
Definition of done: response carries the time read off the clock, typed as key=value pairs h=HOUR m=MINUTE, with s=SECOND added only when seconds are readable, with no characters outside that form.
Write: h=3 m=1
